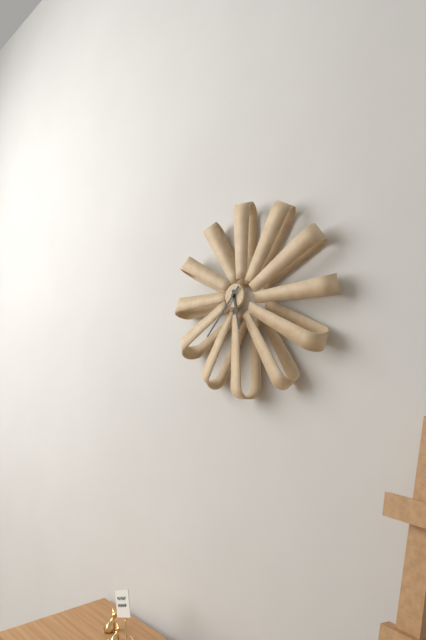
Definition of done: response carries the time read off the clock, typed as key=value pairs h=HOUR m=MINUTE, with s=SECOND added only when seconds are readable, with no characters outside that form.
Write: h=5 m=37
